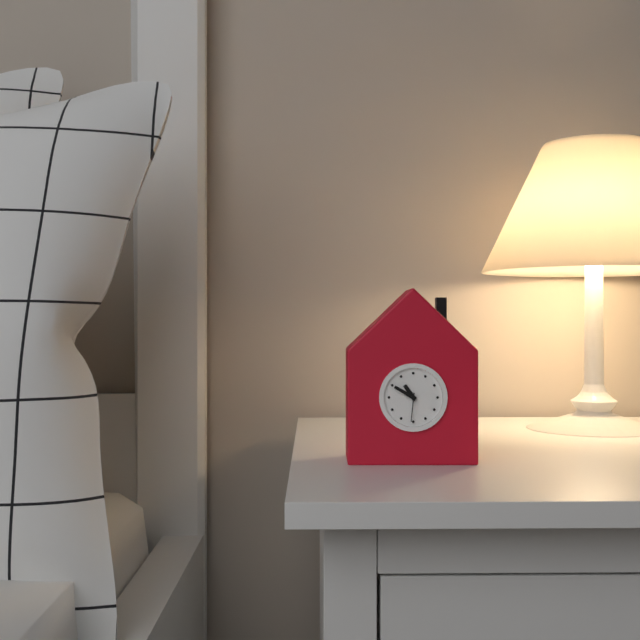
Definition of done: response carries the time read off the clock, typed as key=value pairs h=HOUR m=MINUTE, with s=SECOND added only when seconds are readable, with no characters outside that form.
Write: h=10 m=50
